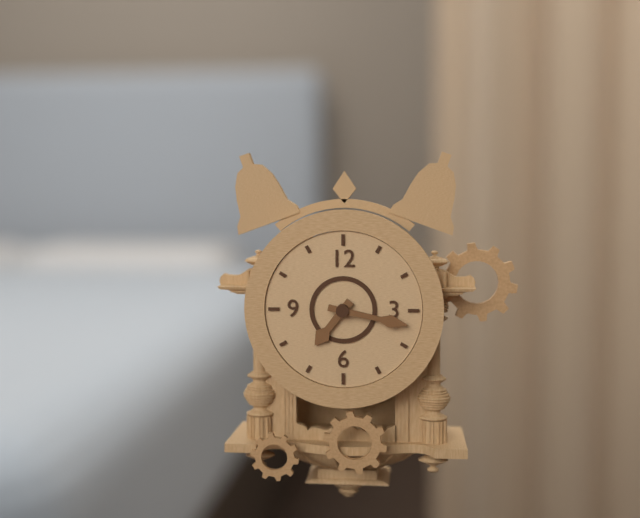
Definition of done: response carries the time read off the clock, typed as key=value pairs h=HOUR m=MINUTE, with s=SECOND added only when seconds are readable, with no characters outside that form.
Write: h=7 m=17
